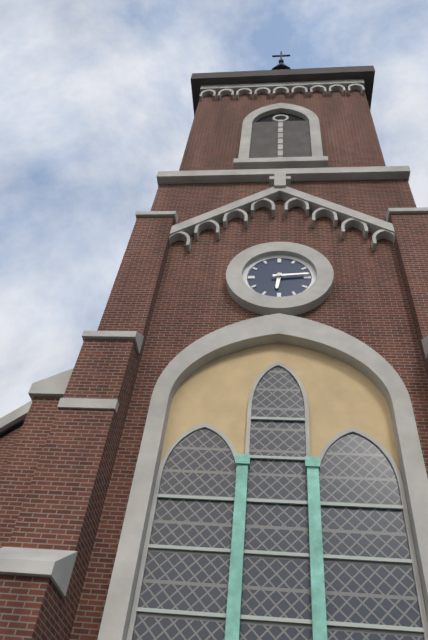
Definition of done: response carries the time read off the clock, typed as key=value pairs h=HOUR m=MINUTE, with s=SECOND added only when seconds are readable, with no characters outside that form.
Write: h=6 m=14
